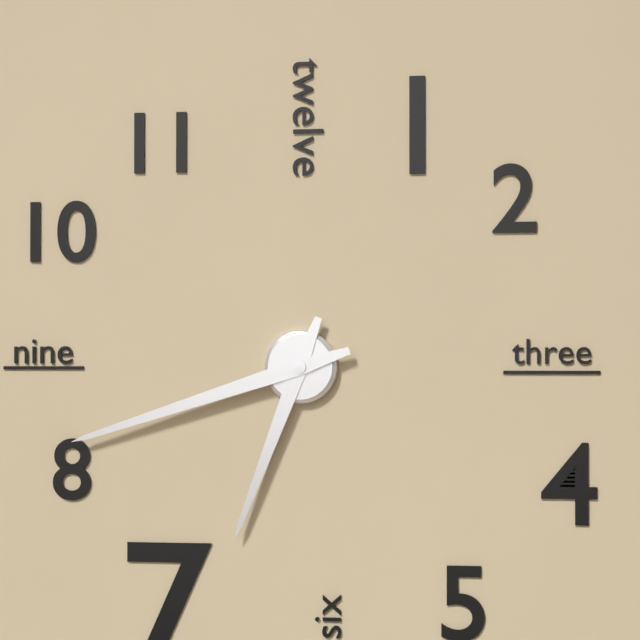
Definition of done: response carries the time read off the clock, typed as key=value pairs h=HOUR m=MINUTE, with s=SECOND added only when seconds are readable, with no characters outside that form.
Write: h=6 m=42
